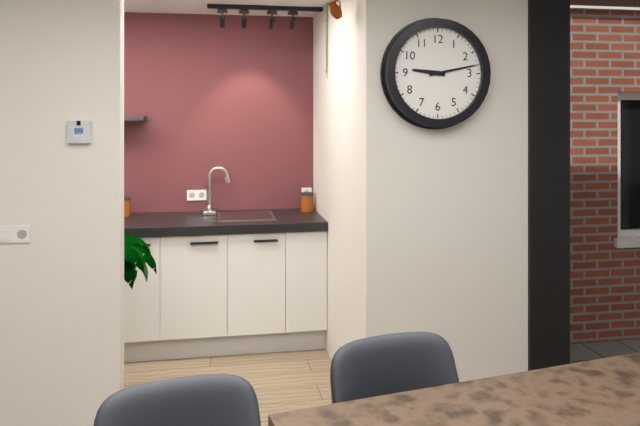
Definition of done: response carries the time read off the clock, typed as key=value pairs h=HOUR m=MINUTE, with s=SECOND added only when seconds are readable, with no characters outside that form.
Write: h=9 m=13
